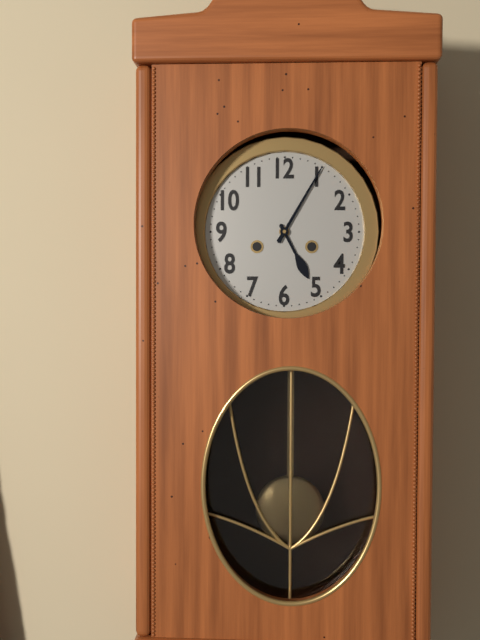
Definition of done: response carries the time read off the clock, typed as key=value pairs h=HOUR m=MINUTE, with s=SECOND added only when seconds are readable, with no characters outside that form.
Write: h=5 m=5
